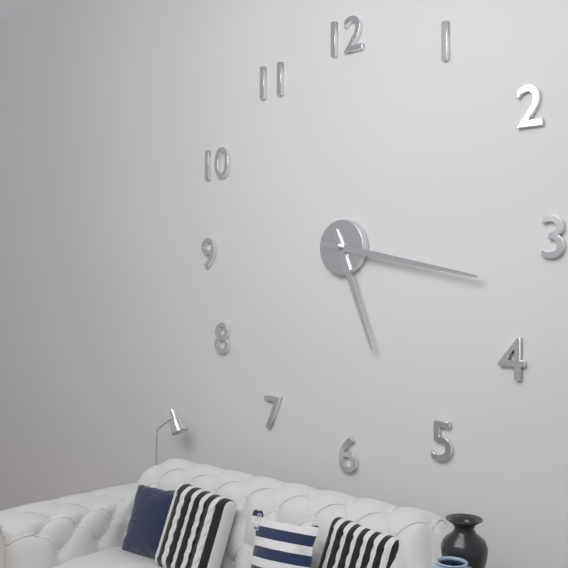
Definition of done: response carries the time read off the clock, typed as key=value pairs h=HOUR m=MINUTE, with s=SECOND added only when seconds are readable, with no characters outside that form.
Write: h=5 m=17
